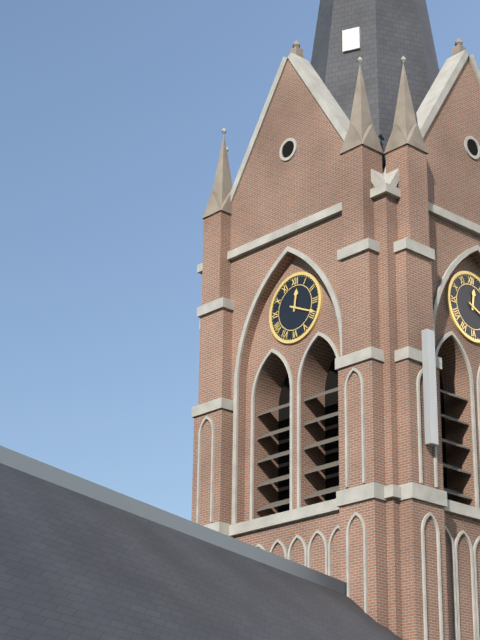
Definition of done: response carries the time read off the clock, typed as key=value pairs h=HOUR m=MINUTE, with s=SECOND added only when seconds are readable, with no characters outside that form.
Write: h=12 m=19
